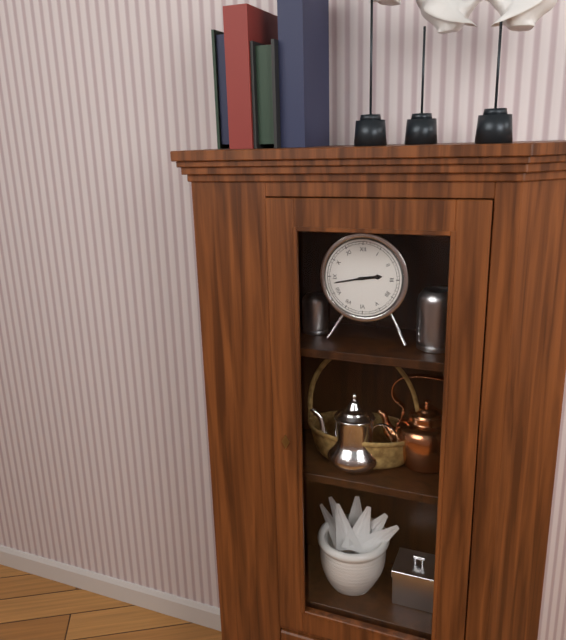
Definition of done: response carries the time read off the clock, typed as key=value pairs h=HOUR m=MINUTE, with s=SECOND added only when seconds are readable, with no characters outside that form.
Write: h=2 m=43
